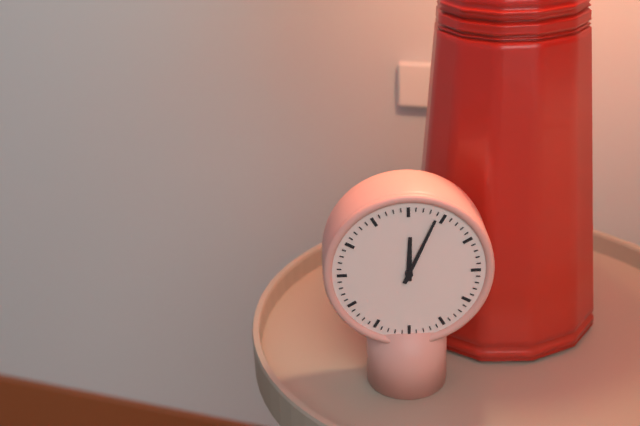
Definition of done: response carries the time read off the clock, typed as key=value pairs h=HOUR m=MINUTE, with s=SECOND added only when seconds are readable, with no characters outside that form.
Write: h=12 m=4
